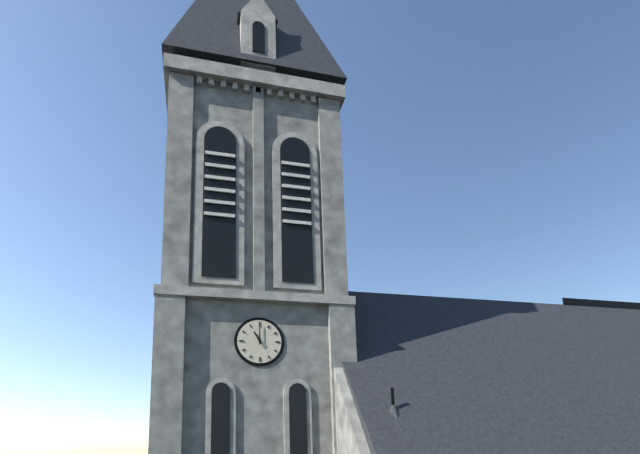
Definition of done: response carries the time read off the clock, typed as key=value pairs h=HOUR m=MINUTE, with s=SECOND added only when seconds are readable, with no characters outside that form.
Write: h=11 m=0
